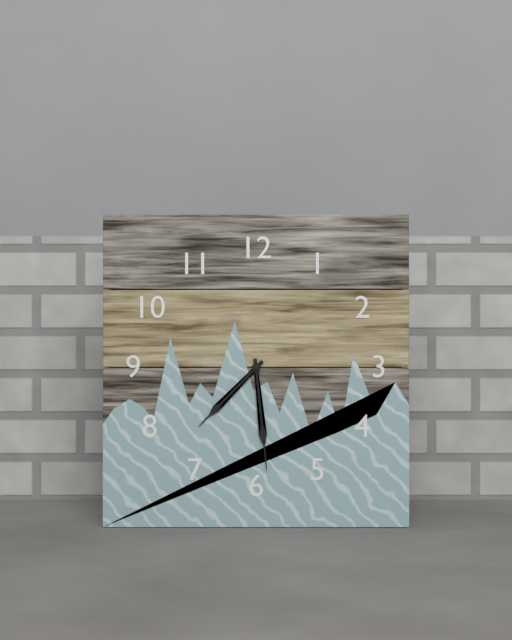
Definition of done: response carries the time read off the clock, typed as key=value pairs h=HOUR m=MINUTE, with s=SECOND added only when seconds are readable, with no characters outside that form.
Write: h=7 m=29
